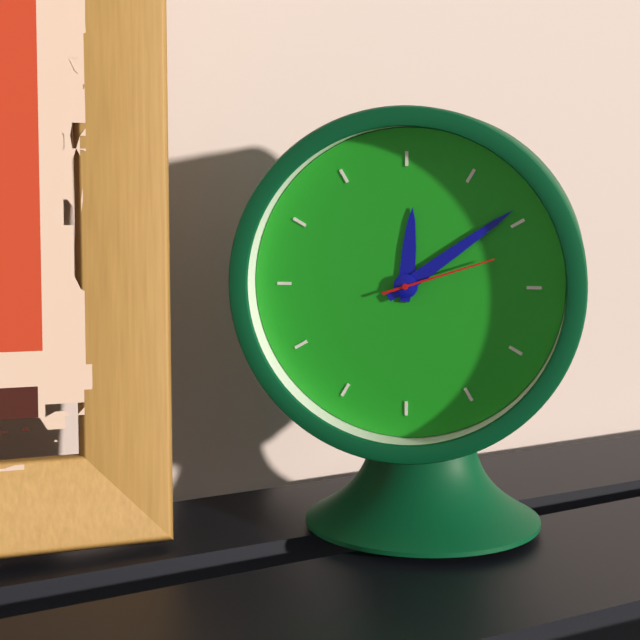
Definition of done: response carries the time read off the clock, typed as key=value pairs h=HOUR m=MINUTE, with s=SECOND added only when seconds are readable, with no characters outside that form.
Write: h=12 m=9 s=12
